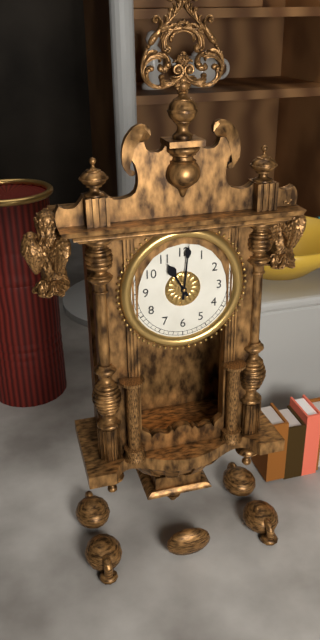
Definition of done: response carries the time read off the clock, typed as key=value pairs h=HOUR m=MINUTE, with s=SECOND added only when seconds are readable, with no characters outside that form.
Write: h=11 m=1
